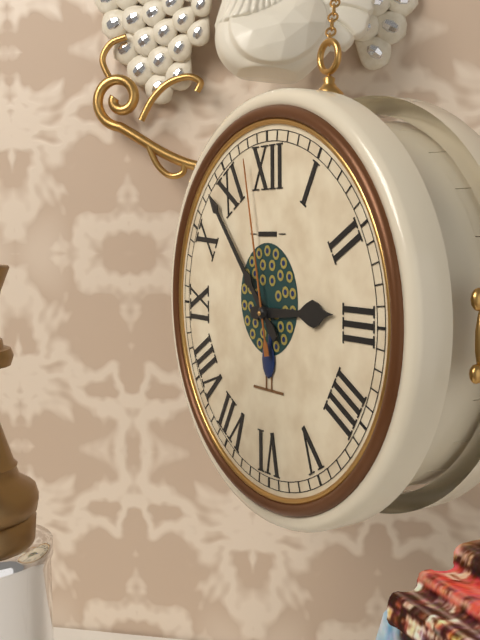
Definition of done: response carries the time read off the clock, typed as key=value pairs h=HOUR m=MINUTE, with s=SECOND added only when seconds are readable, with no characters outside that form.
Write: h=2 m=53 s=58
